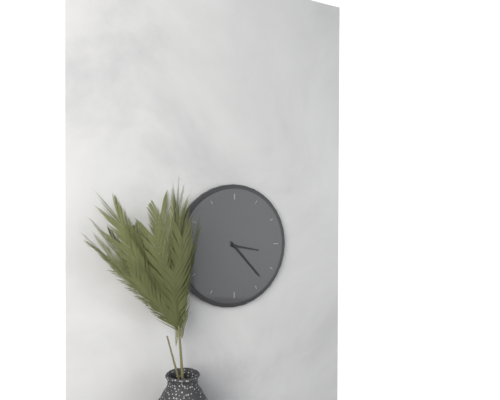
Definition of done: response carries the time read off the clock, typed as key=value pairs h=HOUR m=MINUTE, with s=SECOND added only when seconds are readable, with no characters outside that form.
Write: h=3 m=23
